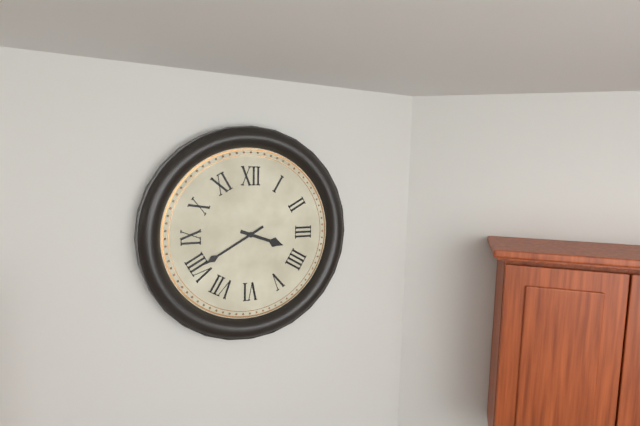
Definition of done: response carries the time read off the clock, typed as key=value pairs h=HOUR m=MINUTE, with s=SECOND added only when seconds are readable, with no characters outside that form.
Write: h=3 m=40
